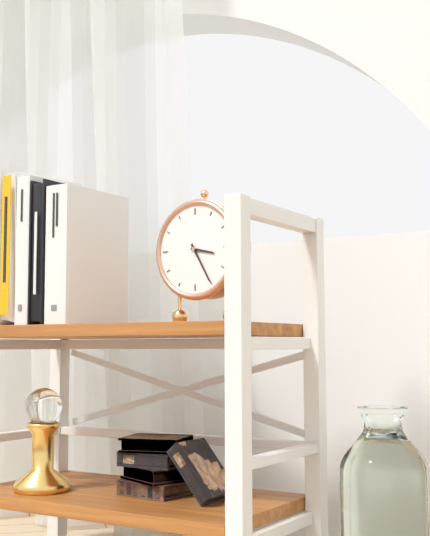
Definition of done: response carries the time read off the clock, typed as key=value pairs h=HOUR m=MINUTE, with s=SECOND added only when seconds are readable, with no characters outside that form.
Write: h=3 m=25
